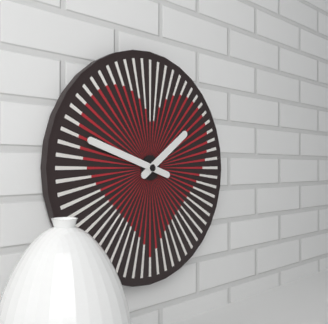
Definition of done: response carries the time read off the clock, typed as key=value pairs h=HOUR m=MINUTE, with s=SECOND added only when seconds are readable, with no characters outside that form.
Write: h=1 m=48
